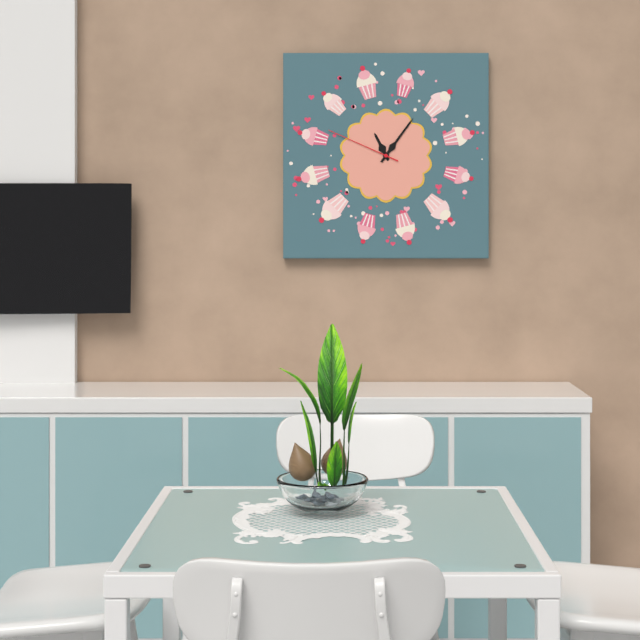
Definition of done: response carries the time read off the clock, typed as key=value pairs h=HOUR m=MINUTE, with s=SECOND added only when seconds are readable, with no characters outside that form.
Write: h=11 m=6 s=49
